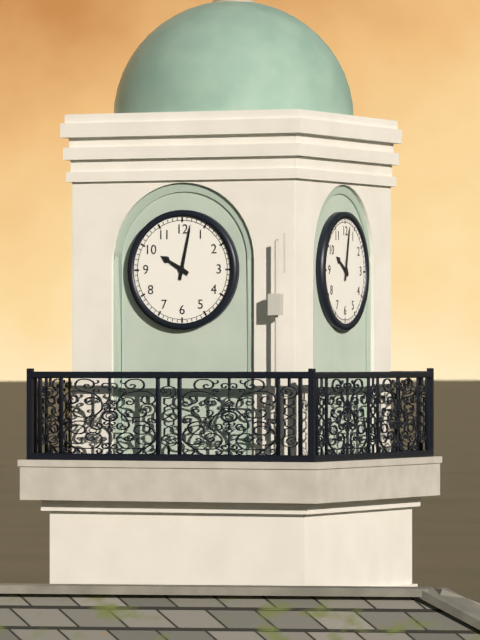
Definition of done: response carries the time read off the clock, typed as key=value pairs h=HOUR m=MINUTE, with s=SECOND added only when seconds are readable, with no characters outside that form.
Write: h=10 m=2
